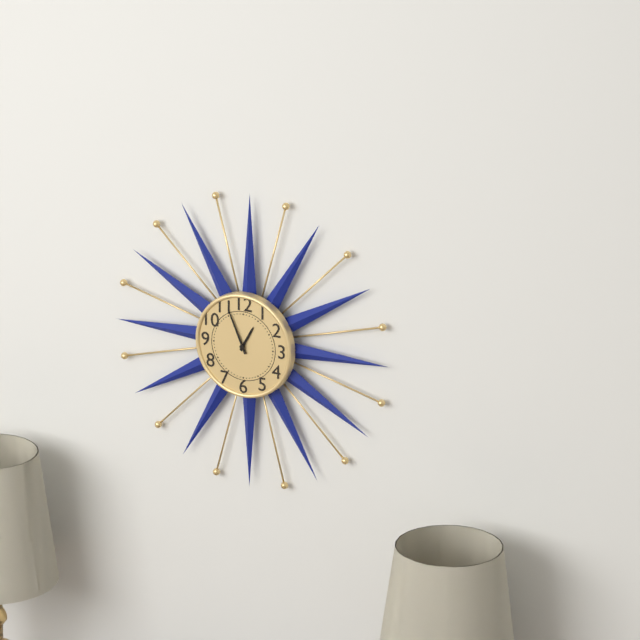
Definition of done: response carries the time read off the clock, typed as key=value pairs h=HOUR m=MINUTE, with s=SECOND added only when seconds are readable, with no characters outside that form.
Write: h=12 m=56
